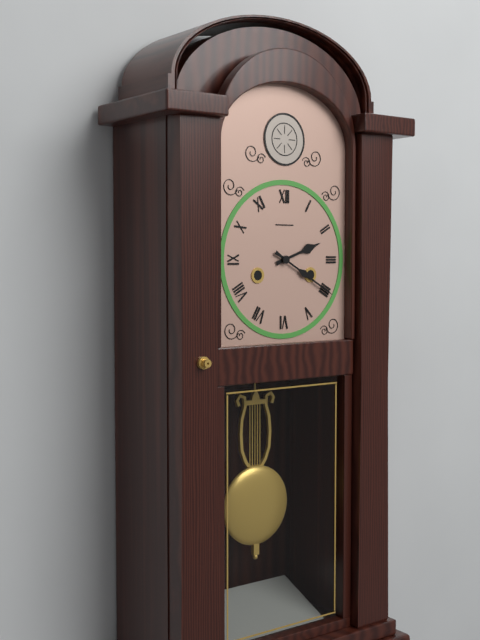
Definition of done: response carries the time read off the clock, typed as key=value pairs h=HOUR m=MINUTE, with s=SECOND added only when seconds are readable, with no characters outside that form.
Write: h=2 m=20
